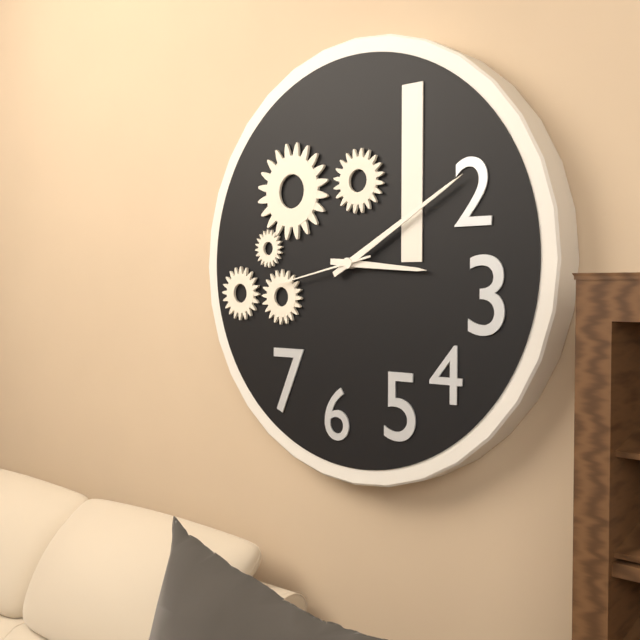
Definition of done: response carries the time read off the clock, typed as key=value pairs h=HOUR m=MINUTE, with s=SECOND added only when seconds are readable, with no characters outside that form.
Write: h=3 m=10 s=43
